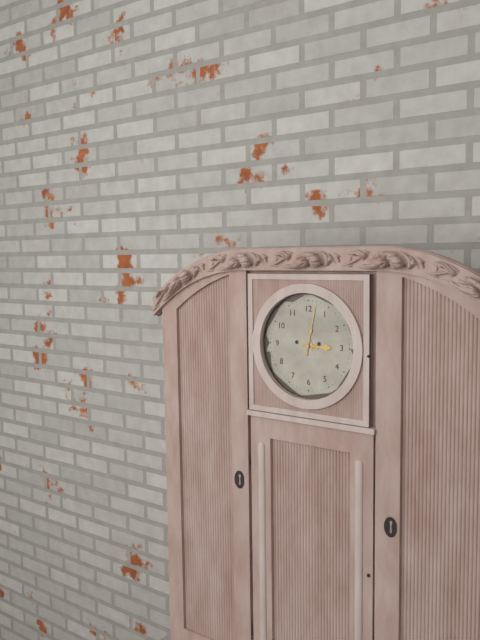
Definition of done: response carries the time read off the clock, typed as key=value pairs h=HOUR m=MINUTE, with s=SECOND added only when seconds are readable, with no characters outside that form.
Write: h=3 m=2
